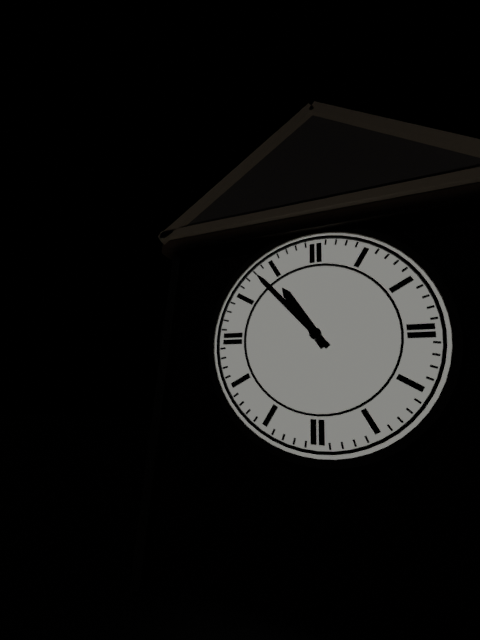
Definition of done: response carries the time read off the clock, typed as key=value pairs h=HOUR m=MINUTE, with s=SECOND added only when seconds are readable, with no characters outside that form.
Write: h=10 m=53
